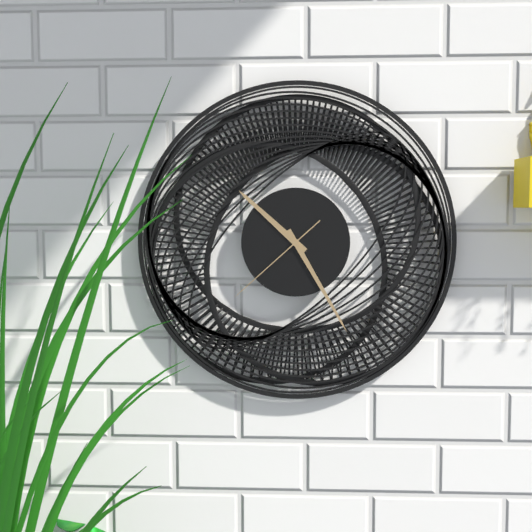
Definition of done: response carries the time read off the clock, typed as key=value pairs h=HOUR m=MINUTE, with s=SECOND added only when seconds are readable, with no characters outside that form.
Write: h=10 m=25 s=38
